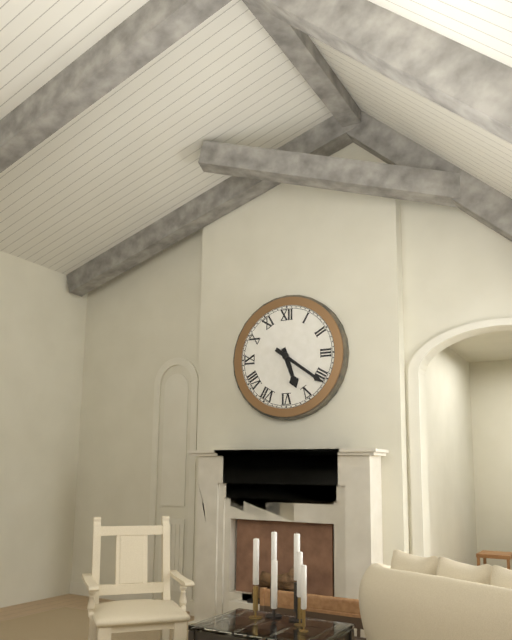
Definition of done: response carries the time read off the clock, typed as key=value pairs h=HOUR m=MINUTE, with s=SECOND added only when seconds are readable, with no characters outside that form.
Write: h=5 m=21
